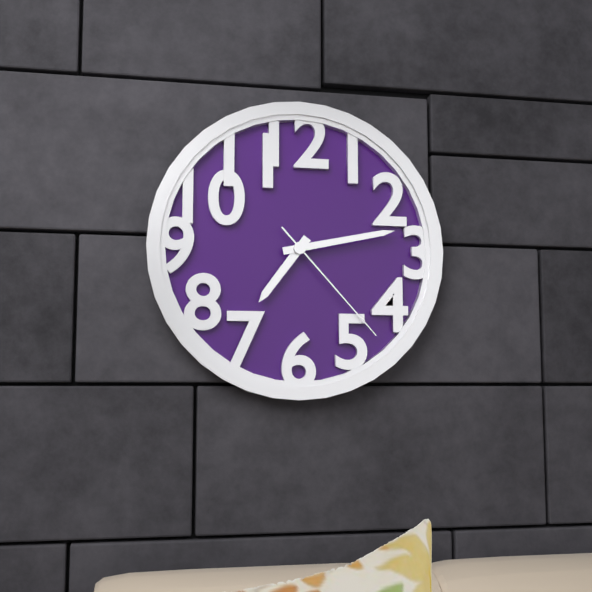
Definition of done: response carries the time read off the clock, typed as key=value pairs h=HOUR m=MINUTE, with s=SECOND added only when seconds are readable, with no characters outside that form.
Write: h=7 m=13 s=23
